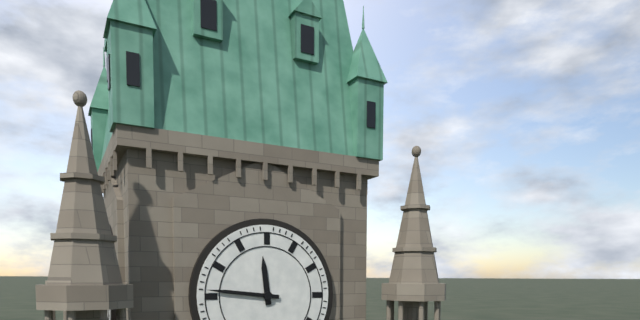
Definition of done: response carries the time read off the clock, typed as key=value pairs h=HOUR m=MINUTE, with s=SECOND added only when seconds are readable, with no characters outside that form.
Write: h=11 m=46
